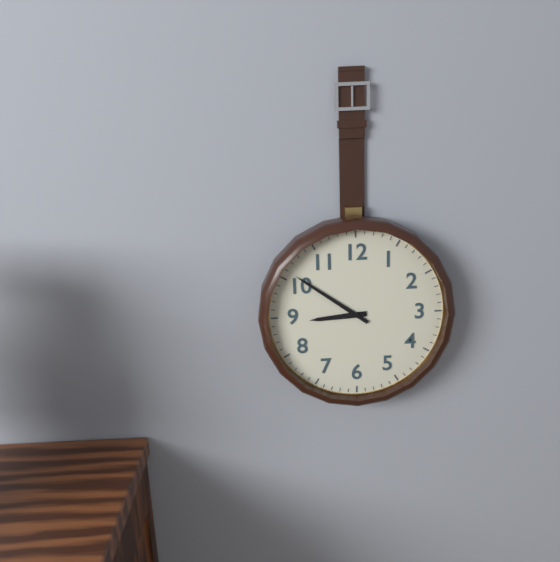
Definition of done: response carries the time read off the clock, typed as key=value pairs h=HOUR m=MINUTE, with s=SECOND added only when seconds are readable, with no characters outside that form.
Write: h=8 m=51
